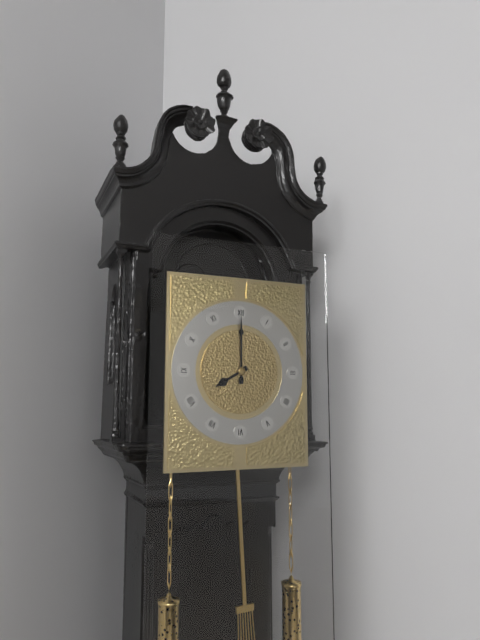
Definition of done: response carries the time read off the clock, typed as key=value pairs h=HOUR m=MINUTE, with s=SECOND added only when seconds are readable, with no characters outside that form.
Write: h=8 m=0
